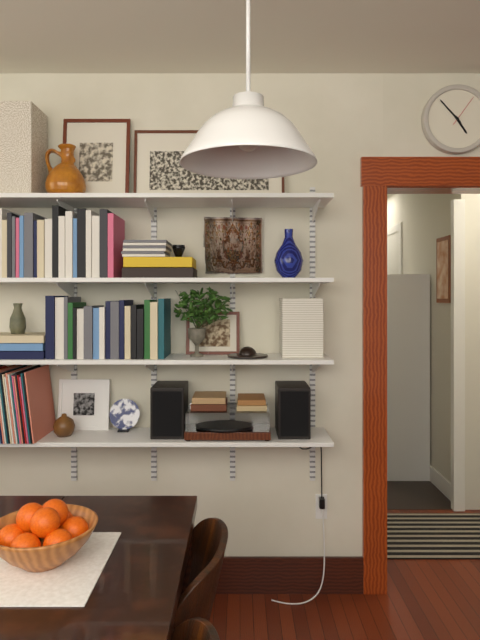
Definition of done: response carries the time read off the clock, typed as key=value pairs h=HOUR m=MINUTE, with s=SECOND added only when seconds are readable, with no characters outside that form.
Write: h=4 m=53
